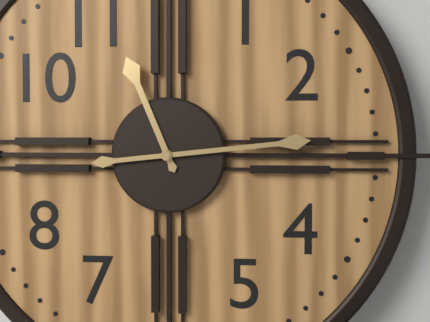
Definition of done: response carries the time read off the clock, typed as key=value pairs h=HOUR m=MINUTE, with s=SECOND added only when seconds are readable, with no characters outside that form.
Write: h=11 m=14
